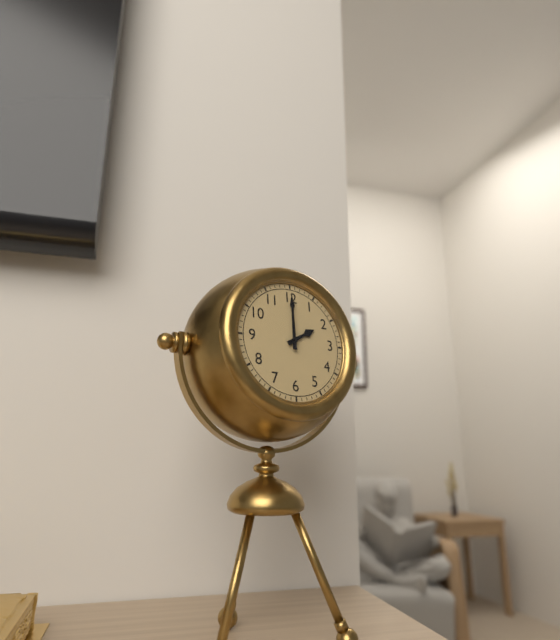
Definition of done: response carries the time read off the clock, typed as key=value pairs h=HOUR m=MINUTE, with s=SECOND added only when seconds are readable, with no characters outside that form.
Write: h=2 m=0
